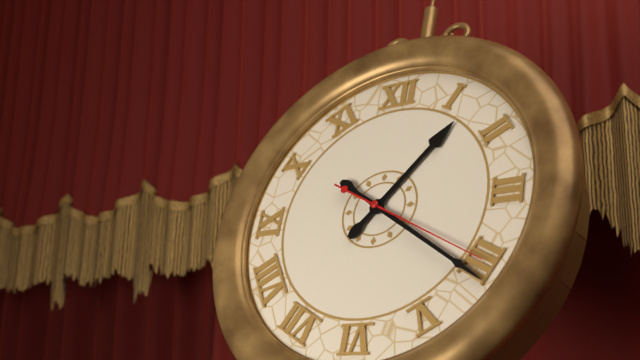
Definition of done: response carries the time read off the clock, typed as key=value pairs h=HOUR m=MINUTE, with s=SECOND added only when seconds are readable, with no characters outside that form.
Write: h=1 m=21 s=20
